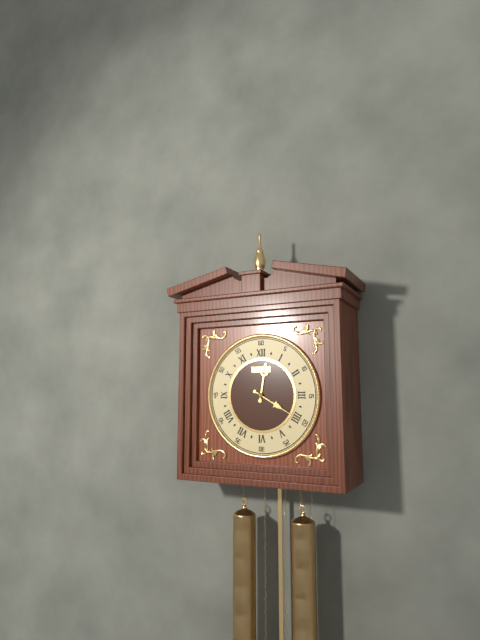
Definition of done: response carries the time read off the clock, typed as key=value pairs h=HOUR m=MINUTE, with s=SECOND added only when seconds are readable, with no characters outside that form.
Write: h=12 m=20
